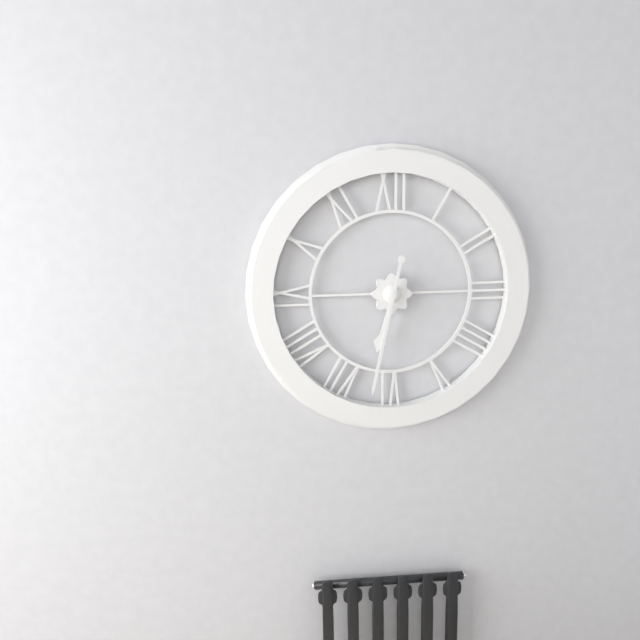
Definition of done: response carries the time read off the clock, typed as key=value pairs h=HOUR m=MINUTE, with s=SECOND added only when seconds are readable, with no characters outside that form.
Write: h=6 m=32
